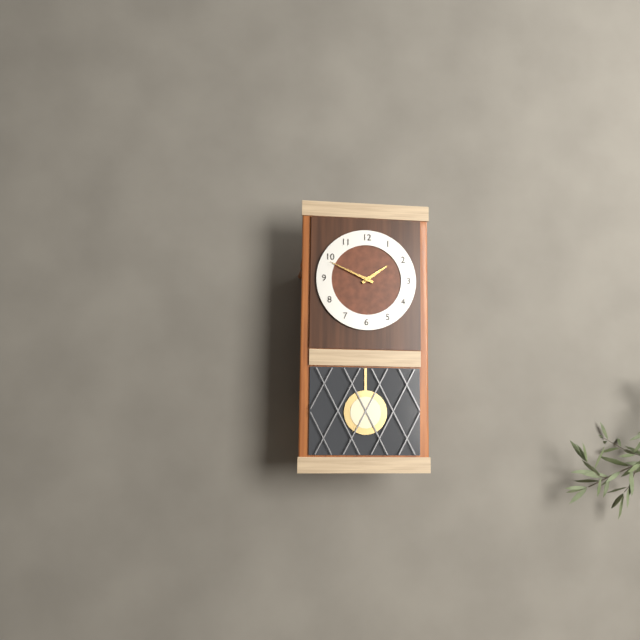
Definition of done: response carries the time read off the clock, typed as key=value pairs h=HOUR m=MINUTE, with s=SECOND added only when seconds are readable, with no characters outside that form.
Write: h=1 m=49
